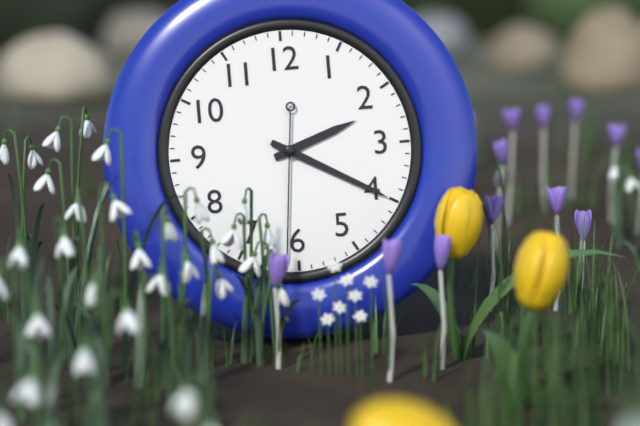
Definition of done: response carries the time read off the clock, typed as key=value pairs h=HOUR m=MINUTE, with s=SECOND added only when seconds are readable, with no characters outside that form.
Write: h=2 m=20 s=31
